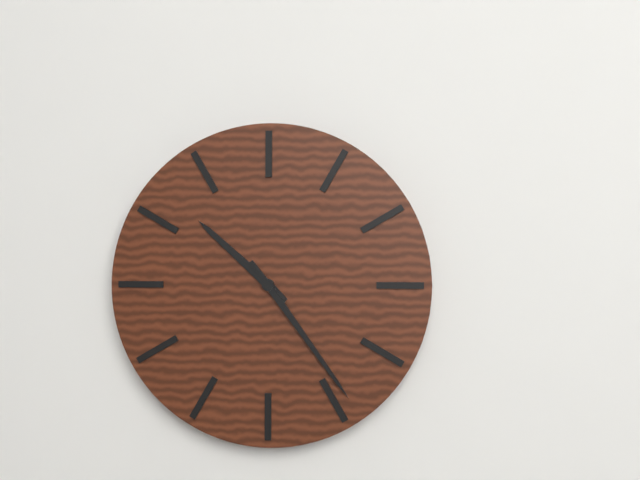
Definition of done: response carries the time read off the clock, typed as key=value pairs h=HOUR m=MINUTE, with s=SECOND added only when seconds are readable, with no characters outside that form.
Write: h=10 m=24
